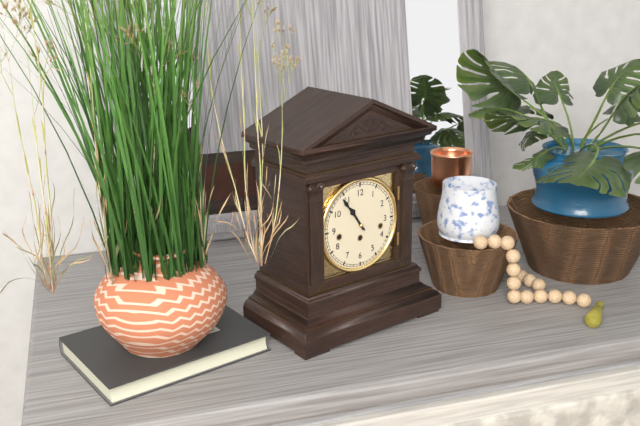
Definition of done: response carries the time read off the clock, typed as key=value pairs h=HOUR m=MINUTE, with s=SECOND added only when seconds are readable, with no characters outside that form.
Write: h=10 m=54
